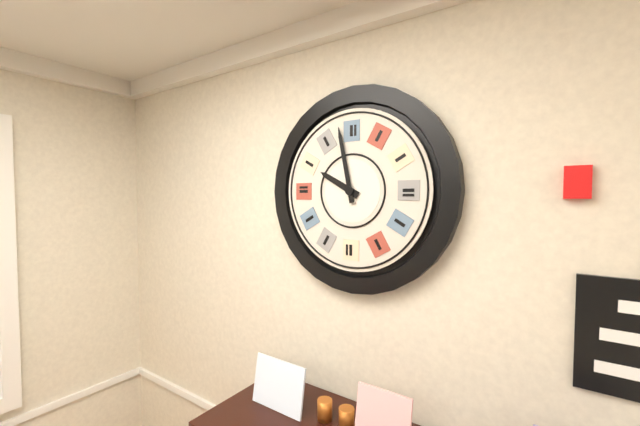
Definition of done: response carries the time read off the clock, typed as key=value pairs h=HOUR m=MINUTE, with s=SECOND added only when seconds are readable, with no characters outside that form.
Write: h=9 m=58
